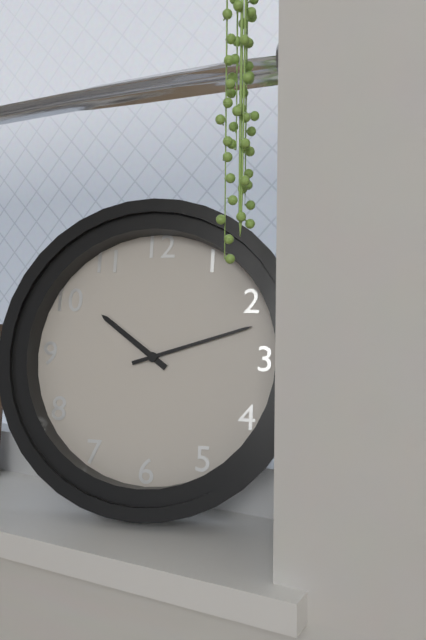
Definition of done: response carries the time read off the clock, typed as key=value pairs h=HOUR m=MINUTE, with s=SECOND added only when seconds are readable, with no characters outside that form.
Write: h=10 m=12
